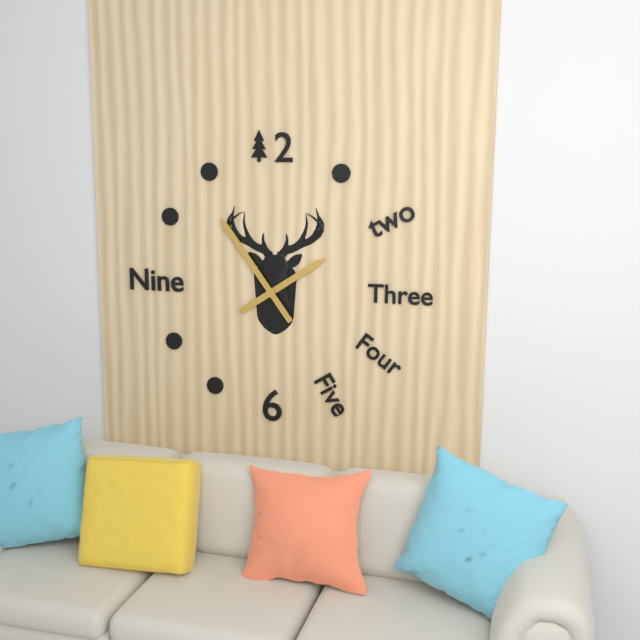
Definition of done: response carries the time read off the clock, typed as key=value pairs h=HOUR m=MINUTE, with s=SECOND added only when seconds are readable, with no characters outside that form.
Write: h=1 m=54
